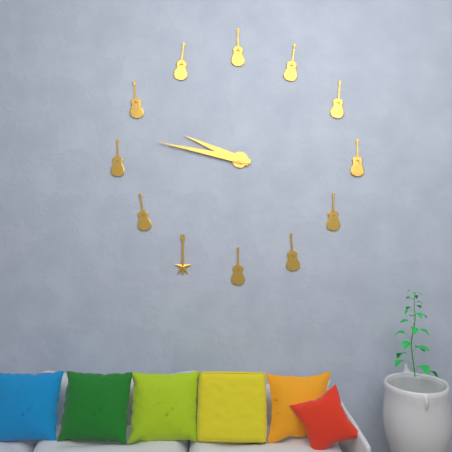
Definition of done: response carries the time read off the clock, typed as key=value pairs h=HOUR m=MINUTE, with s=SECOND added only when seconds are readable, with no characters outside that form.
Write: h=9 m=47
